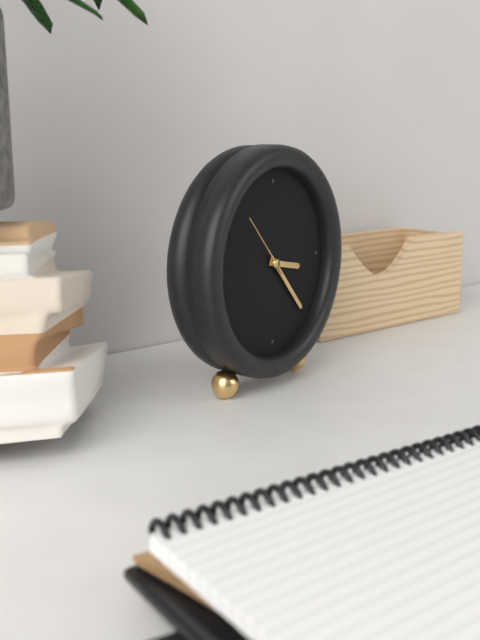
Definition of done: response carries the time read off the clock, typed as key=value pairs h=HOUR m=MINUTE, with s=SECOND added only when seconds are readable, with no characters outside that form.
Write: h=3 m=23 s=53
